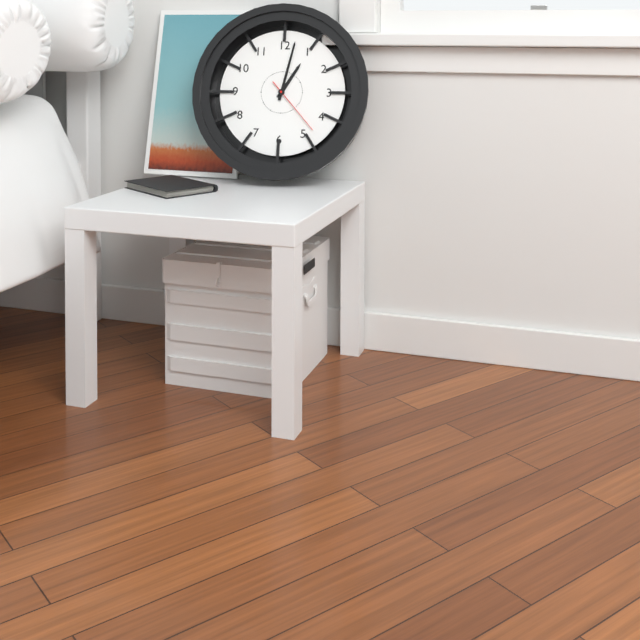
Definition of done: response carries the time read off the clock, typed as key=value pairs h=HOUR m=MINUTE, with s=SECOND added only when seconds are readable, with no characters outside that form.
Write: h=1 m=2 s=23
